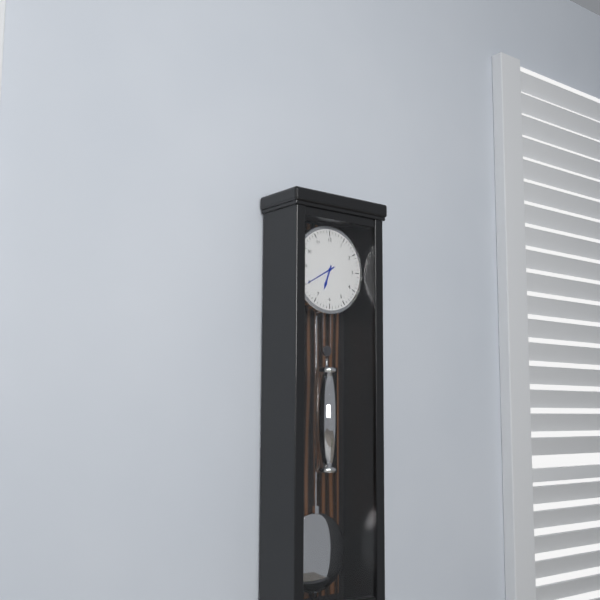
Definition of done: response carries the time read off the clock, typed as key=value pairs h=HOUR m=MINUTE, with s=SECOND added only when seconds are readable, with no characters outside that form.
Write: h=6 m=40
